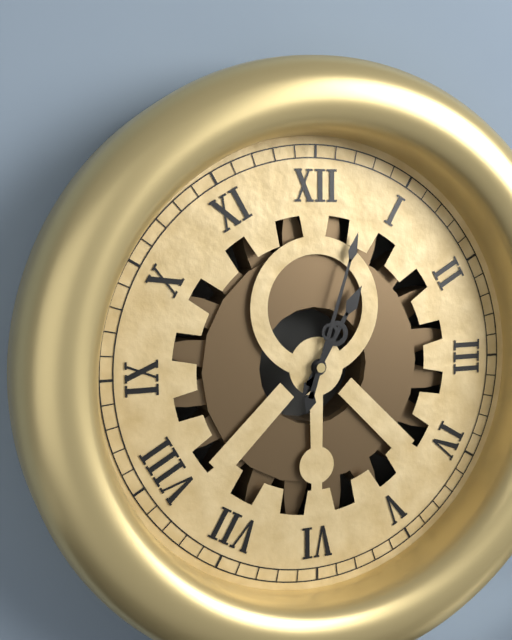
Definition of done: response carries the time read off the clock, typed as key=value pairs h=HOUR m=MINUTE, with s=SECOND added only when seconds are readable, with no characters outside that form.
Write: h=1 m=3
